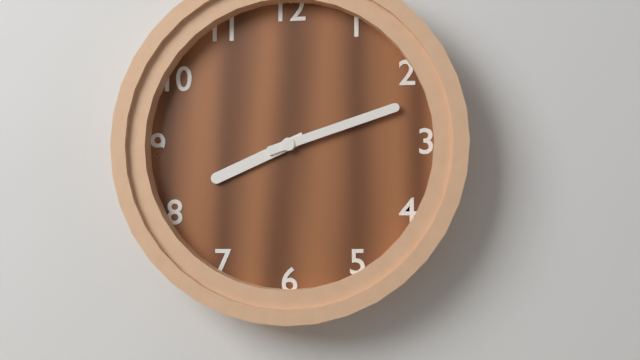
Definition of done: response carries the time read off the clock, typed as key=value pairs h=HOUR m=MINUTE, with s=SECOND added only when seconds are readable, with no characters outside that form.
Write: h=8 m=12
